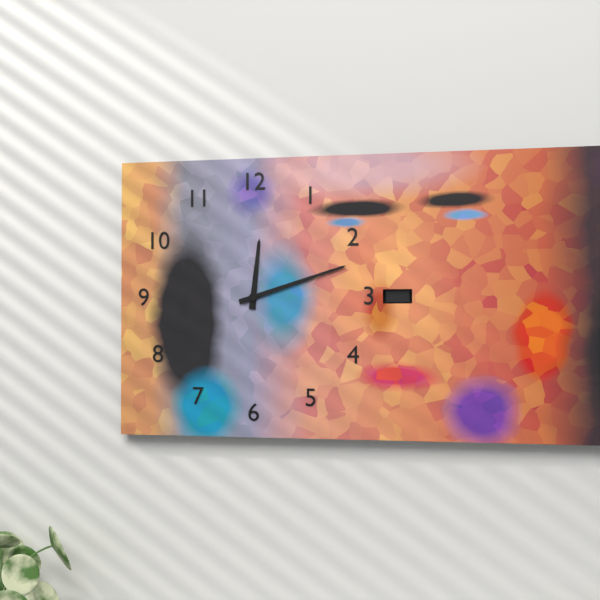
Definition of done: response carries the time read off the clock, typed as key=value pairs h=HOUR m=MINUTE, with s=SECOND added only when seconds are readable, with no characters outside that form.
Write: h=12 m=12
